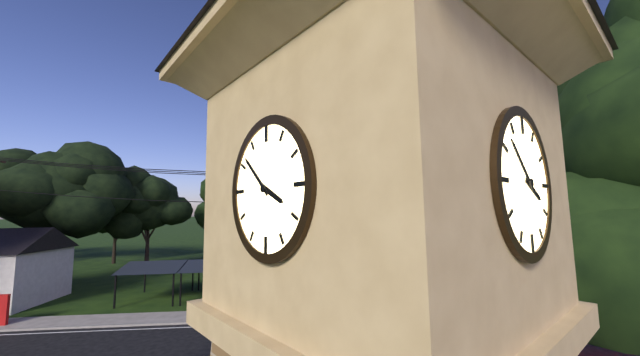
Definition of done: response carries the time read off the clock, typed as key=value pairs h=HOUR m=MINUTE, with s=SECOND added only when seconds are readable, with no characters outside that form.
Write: h=3 m=52
